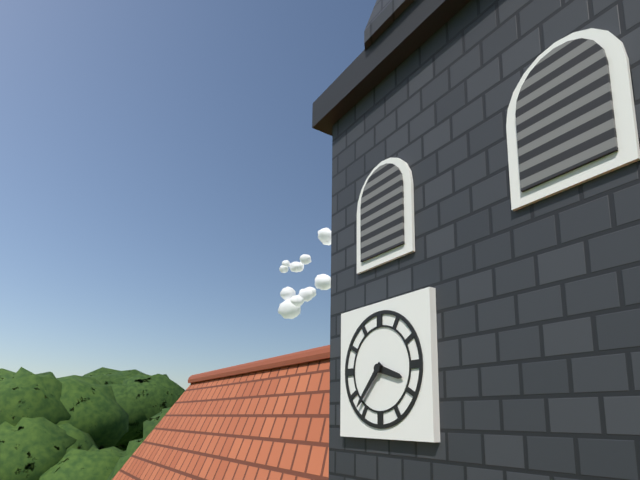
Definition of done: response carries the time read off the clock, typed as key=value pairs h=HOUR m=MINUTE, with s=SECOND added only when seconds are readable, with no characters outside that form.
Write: h=3 m=37
